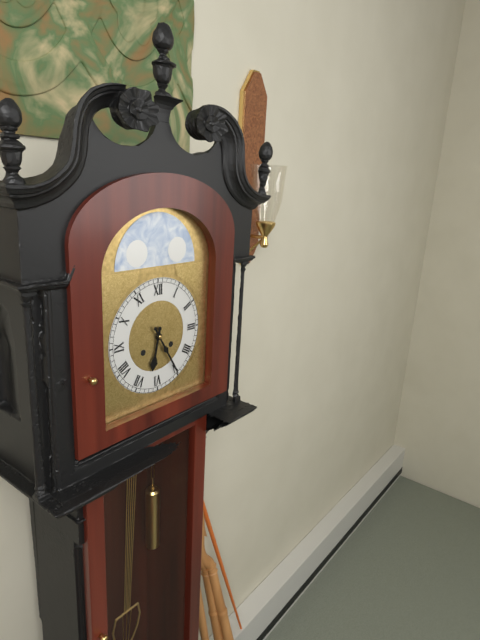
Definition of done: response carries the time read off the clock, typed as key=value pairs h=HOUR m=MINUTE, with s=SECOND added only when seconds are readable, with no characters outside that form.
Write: h=6 m=25
